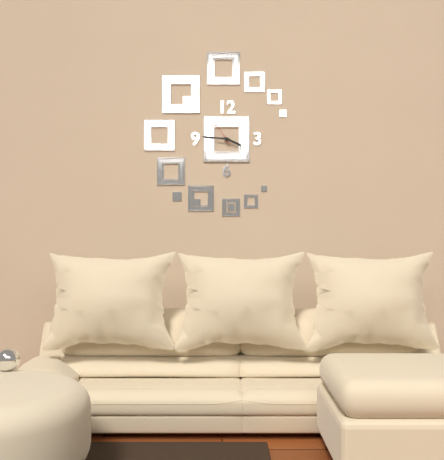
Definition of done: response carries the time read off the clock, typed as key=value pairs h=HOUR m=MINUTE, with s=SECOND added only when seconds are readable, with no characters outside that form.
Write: h=3 m=46
